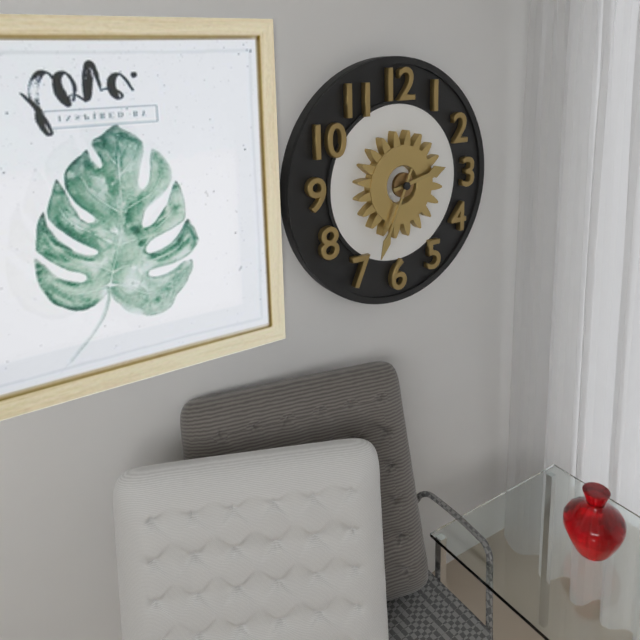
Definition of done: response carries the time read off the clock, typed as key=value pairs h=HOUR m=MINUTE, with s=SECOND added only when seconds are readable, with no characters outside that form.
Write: h=2 m=34
